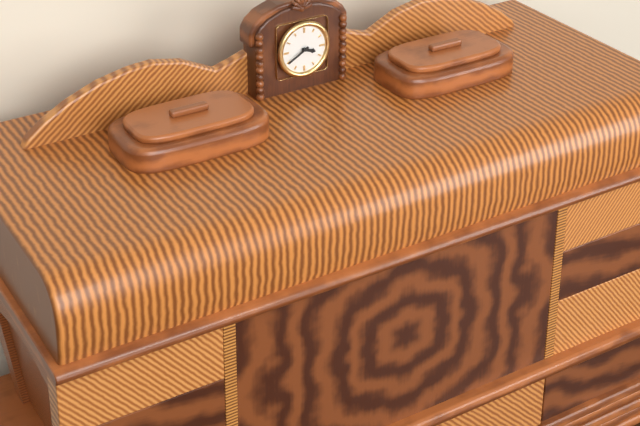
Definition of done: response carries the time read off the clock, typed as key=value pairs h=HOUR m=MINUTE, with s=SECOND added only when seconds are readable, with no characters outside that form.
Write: h=3 m=40
